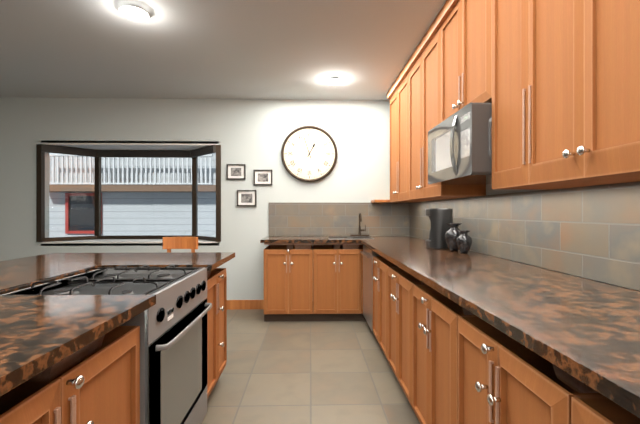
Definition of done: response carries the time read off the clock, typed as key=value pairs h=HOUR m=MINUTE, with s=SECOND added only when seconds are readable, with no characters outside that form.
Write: h=12 m=57
